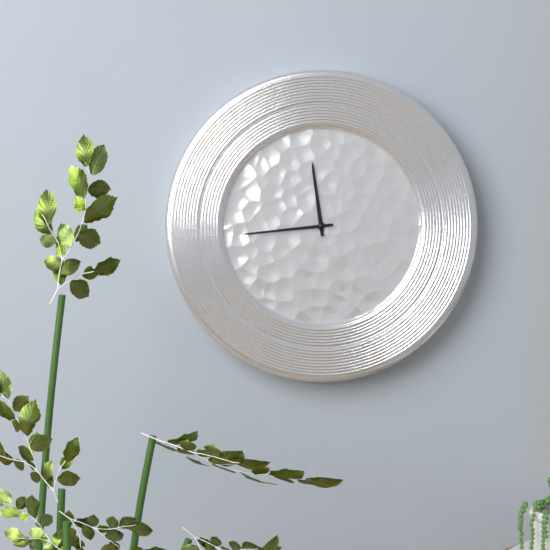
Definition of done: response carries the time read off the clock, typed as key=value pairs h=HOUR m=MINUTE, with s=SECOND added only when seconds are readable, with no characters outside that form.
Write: h=11 m=44
